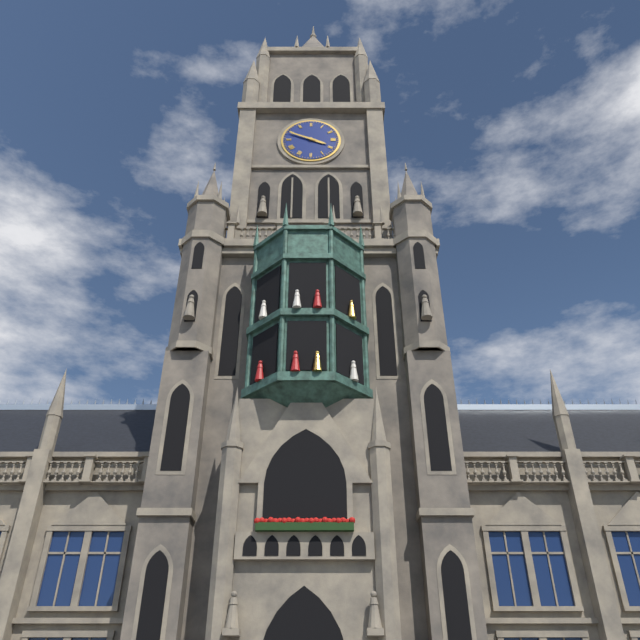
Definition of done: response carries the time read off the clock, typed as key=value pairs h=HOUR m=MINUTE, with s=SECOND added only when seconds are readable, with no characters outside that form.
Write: h=3 m=49
